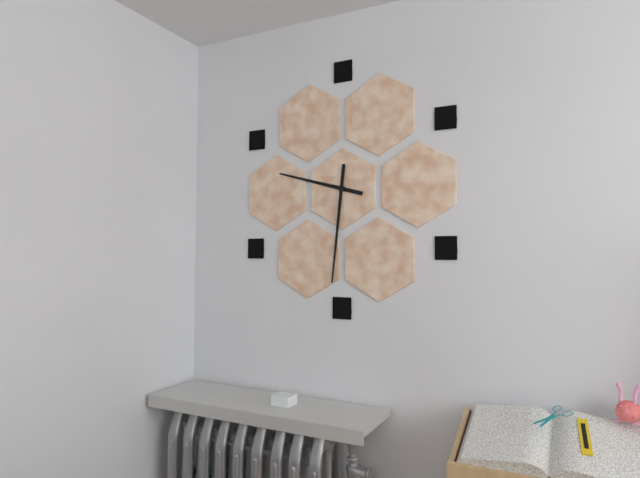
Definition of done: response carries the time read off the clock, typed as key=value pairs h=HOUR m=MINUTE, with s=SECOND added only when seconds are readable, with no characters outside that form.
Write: h=9 m=31
